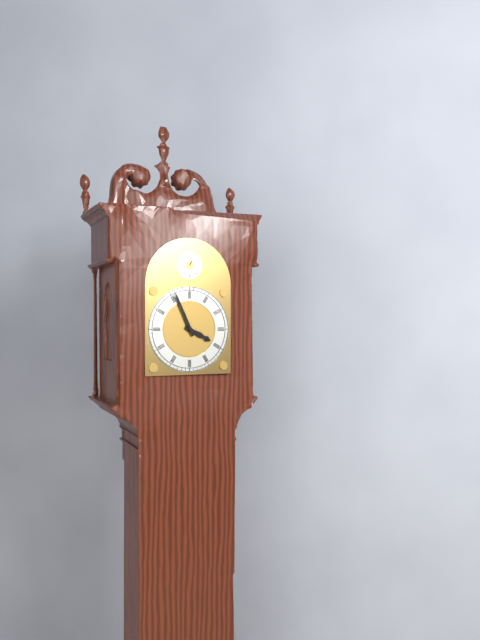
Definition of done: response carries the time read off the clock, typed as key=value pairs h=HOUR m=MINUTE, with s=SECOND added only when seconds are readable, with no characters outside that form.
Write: h=3 m=56
